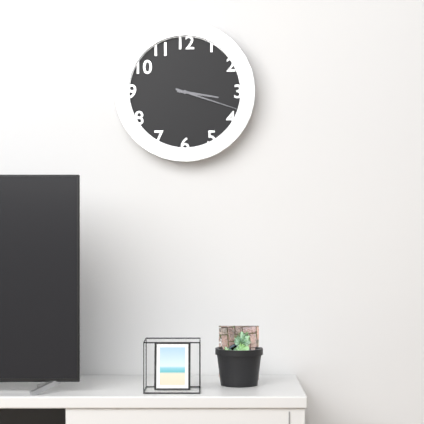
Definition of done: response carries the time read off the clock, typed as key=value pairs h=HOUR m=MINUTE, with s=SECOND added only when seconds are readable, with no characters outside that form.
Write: h=3 m=18
